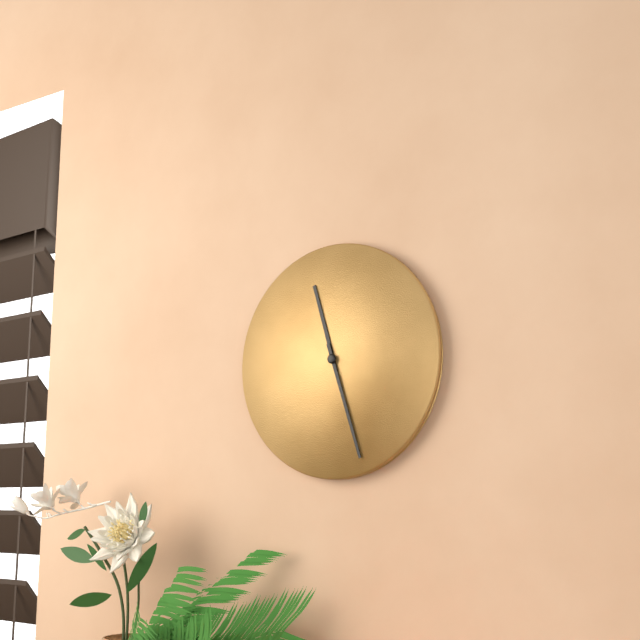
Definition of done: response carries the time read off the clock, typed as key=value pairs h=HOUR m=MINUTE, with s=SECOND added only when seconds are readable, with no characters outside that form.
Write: h=11 m=27
